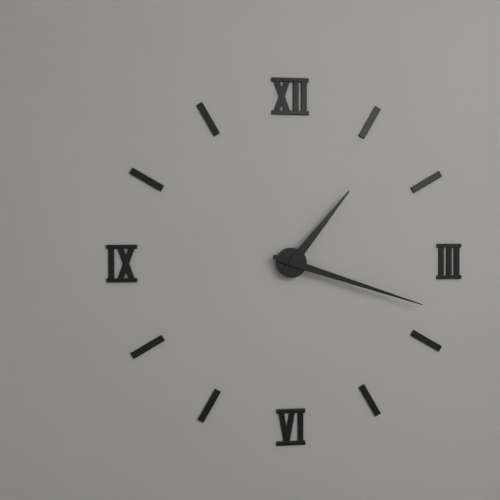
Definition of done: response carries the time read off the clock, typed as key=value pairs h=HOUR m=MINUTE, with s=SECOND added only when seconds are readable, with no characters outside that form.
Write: h=1 m=18
